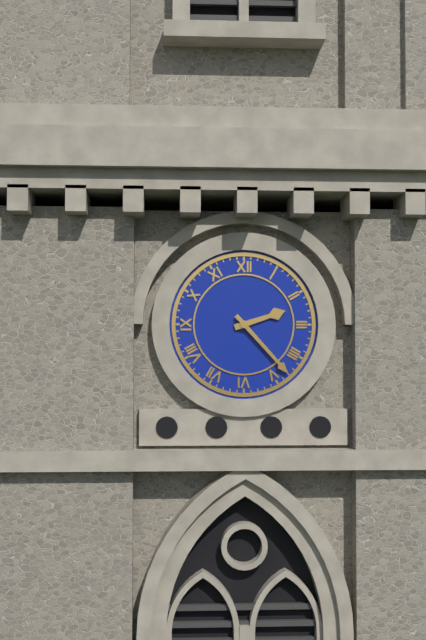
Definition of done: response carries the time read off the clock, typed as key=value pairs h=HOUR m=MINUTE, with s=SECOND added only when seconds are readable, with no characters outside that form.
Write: h=2 m=23
